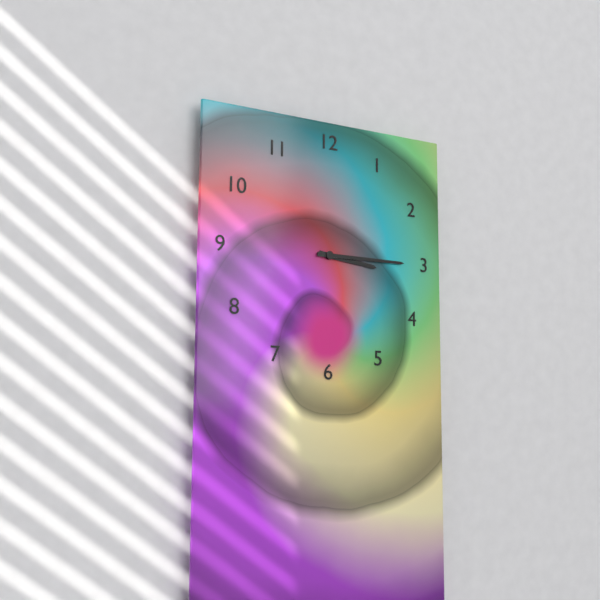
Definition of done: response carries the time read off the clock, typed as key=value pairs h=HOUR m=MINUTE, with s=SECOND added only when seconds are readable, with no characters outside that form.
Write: h=3 m=15
